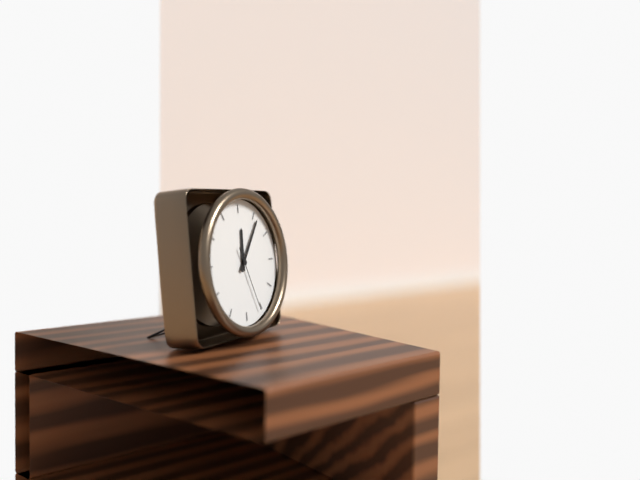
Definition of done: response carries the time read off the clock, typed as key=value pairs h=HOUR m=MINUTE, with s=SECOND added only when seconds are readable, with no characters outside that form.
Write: h=12 m=6 s=26
